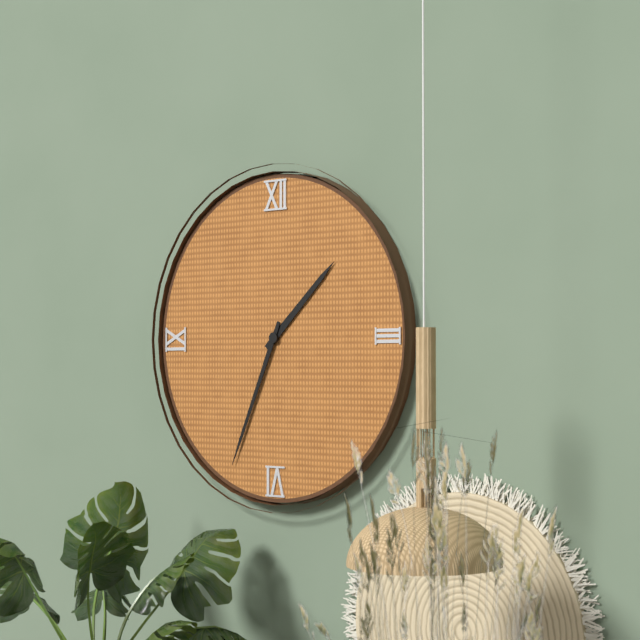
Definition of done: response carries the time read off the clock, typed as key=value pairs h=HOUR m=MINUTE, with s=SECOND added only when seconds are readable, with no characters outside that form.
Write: h=1 m=34
